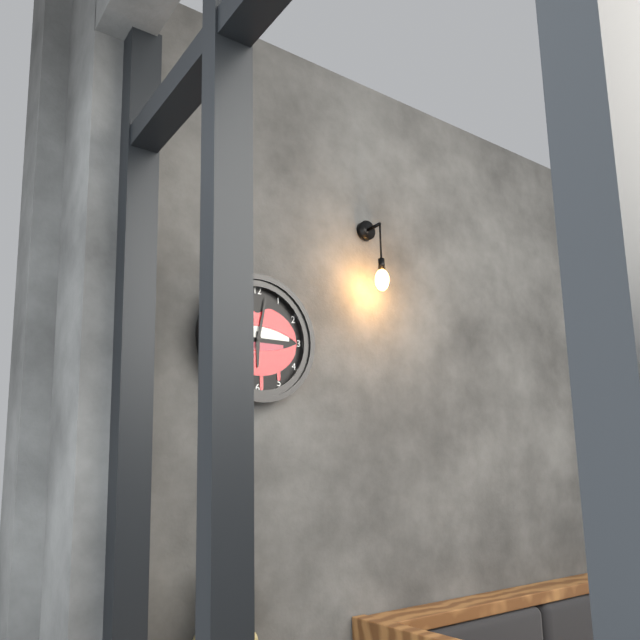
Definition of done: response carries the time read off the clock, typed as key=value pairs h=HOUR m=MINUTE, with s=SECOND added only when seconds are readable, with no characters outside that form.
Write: h=6 m=2
